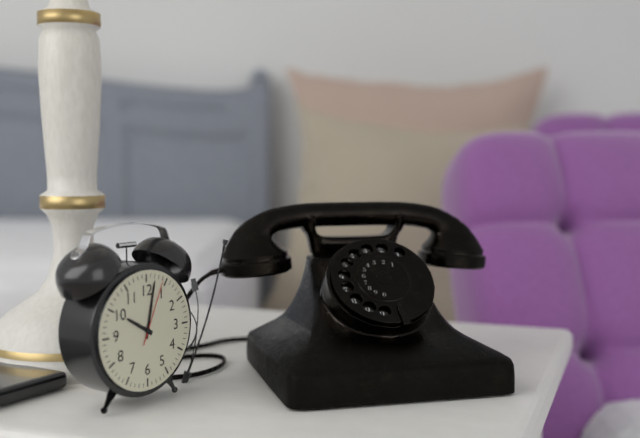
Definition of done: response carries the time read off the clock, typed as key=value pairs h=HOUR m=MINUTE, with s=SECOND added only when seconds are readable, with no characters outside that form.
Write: h=10 m=2 s=4
